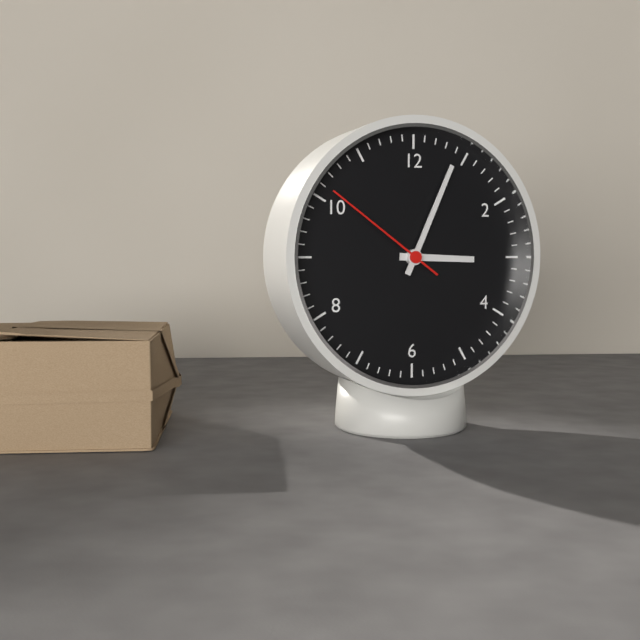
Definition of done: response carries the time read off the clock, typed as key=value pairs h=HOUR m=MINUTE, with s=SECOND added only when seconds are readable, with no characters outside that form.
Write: h=3 m=4 s=51
